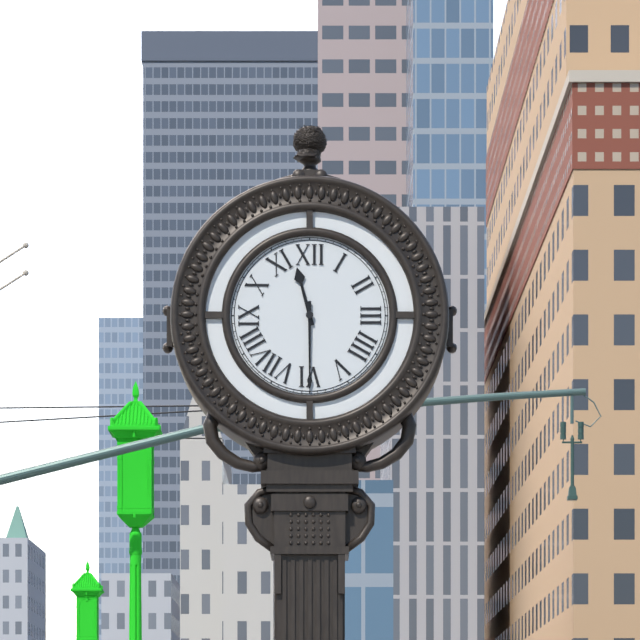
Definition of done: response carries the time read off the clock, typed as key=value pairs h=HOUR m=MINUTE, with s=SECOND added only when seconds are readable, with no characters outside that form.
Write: h=11 m=30
